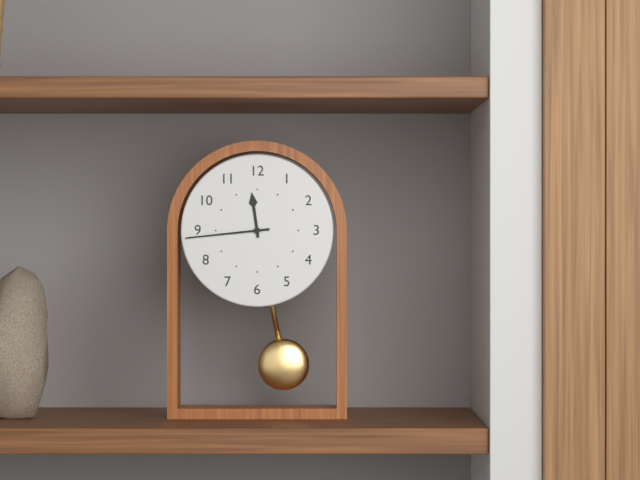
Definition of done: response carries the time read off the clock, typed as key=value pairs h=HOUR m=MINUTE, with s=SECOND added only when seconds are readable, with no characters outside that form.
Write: h=11 m=44
